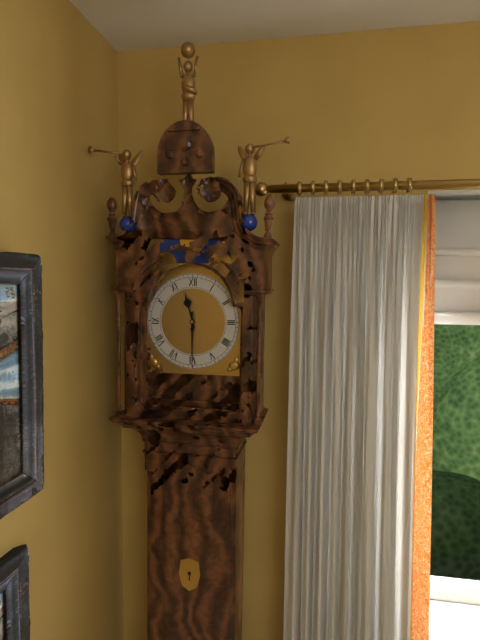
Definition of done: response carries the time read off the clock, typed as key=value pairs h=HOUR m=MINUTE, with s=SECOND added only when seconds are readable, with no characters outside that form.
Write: h=11 m=30
